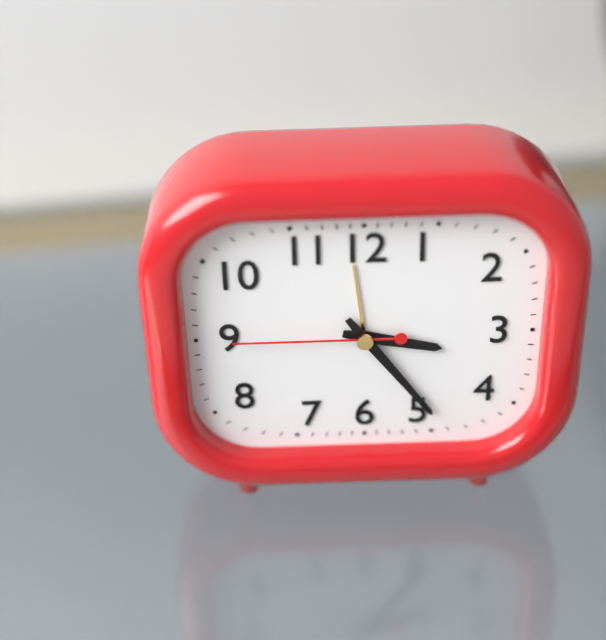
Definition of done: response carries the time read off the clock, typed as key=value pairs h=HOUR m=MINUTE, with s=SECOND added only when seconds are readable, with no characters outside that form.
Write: h=3 m=24 s=45
